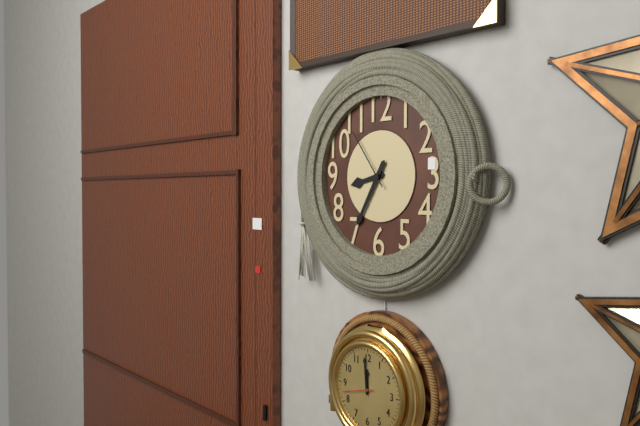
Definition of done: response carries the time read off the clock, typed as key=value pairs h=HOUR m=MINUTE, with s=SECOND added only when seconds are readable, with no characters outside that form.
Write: h=8 m=35 s=54
